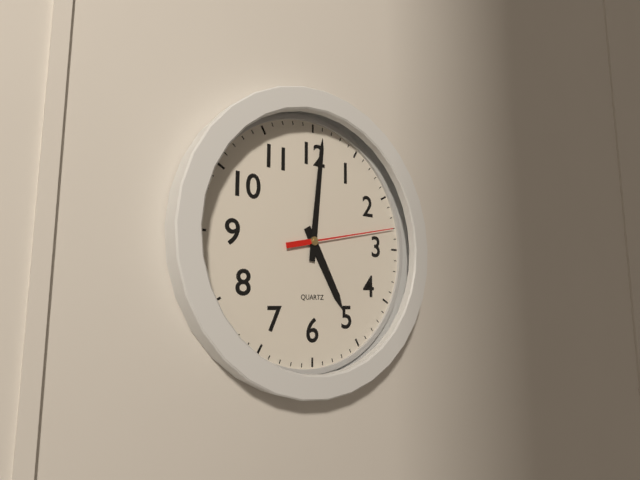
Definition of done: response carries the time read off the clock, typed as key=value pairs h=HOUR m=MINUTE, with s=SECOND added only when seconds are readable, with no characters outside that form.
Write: h=5 m=1 s=13
